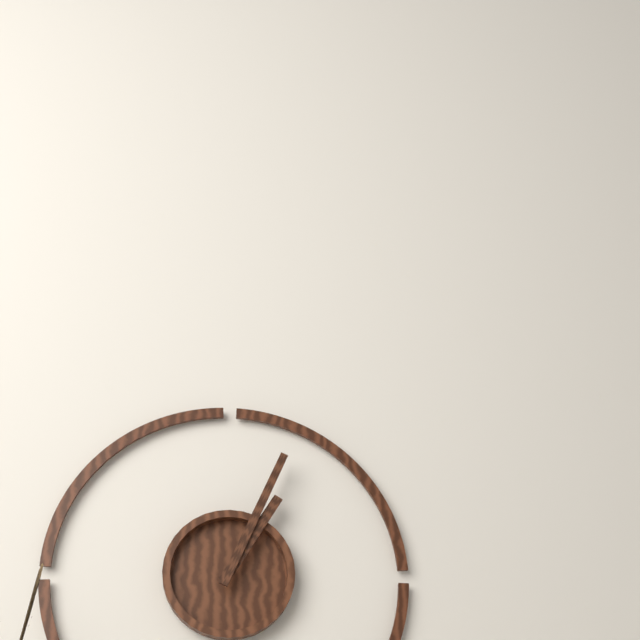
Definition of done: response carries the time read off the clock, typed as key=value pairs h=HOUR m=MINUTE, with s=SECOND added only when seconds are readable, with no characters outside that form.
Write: h=1 m=4
